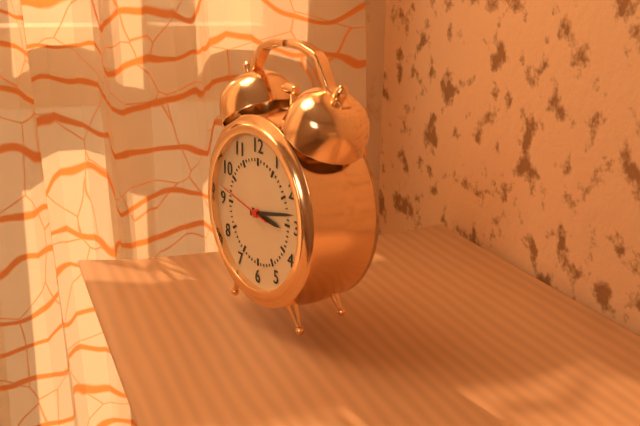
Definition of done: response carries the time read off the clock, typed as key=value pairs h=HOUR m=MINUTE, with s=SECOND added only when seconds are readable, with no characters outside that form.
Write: h=3 m=13 s=47
